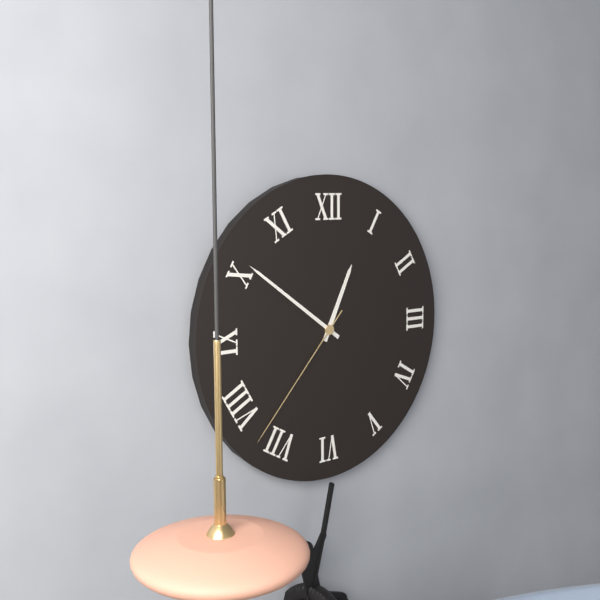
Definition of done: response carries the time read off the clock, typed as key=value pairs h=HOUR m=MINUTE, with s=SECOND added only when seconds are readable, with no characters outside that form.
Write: h=12 m=51 s=37
